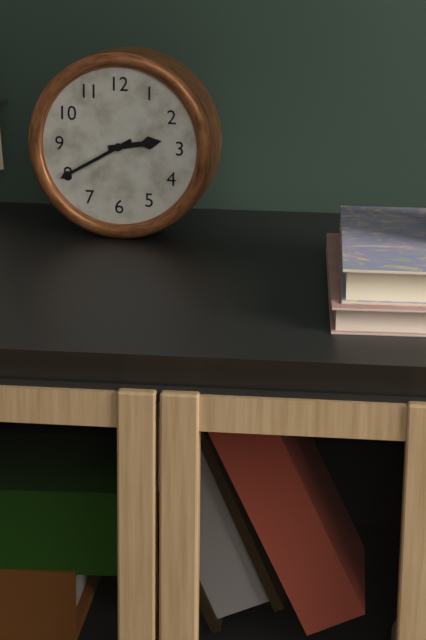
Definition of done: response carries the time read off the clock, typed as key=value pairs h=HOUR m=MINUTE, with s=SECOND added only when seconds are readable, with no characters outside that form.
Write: h=2 m=40
